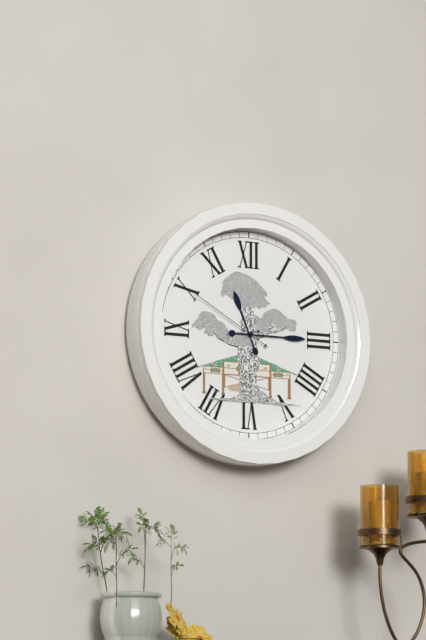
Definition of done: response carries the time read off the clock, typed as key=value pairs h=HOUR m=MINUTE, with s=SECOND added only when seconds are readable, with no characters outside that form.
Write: h=11 m=15 s=50
